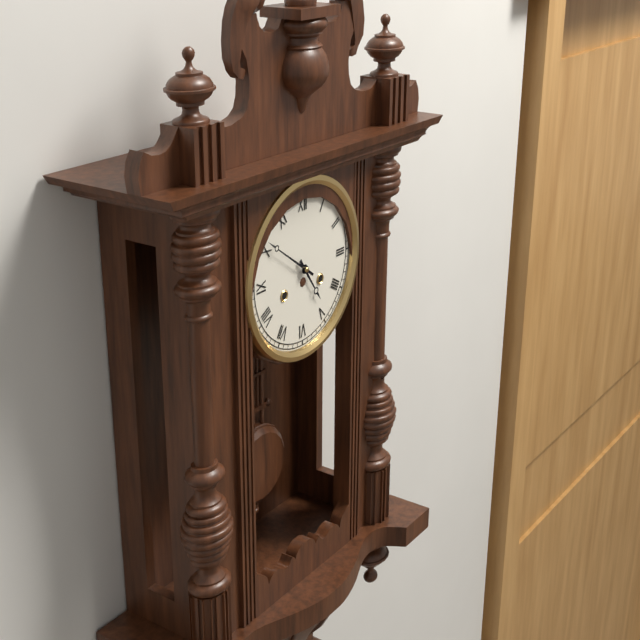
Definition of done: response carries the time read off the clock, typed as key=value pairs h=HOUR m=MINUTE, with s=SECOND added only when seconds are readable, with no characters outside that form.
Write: h=4 m=51
